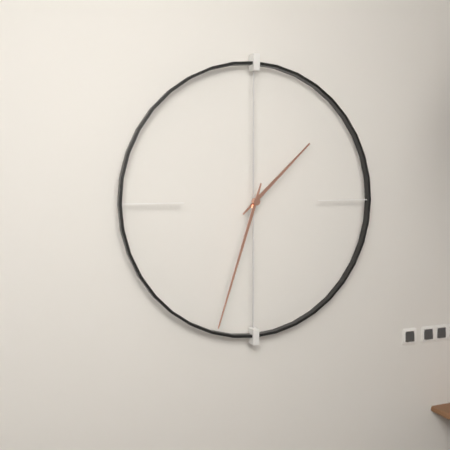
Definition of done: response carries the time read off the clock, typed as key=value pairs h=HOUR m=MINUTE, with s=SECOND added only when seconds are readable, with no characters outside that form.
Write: h=1 m=33
